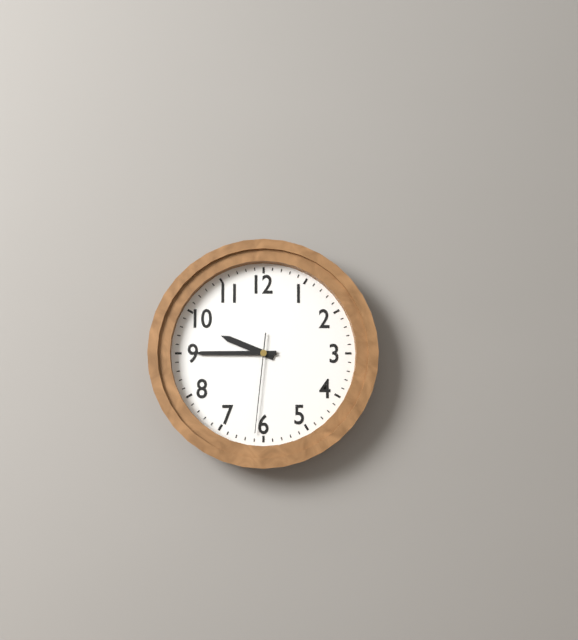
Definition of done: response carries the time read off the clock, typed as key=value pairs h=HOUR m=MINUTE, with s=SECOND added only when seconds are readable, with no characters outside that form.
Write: h=9 m=45 s=31
